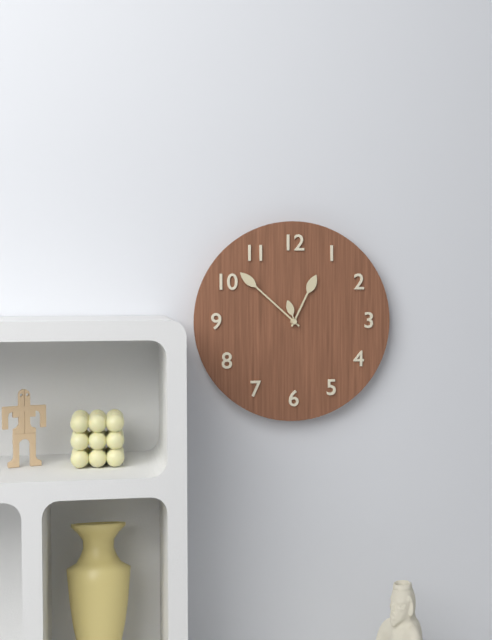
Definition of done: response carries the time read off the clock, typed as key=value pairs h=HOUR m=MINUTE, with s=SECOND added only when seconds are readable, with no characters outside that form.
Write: h=12 m=52
